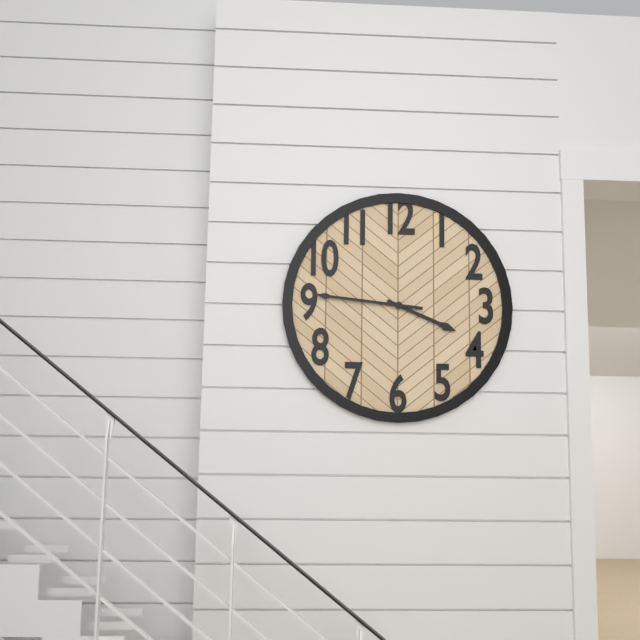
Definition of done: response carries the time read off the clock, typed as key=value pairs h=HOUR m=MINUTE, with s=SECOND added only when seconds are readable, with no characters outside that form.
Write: h=3 m=46
